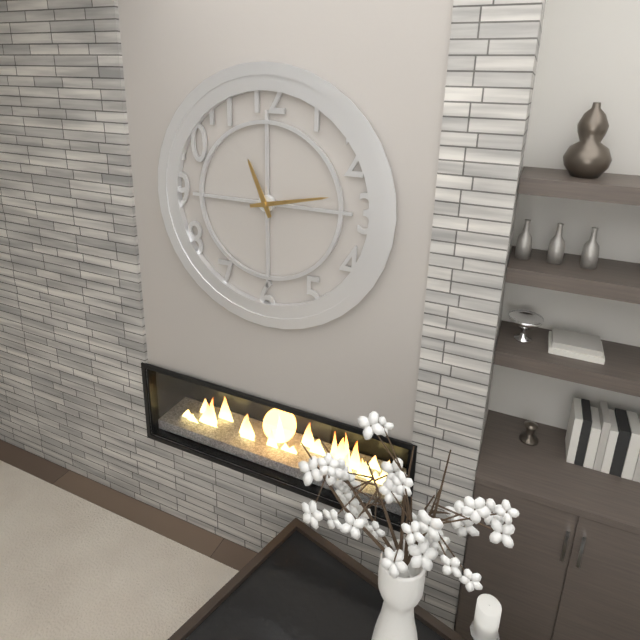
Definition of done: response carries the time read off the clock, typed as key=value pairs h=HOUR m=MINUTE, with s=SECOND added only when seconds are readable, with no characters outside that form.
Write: h=11 m=13
